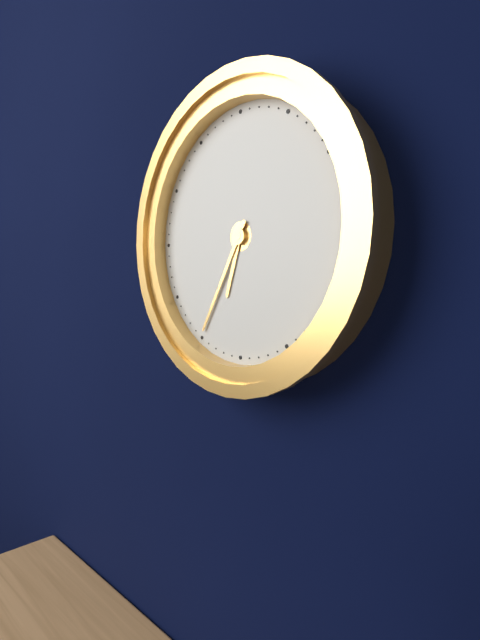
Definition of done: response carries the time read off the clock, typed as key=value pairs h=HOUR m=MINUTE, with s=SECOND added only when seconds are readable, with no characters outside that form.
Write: h=6 m=35
